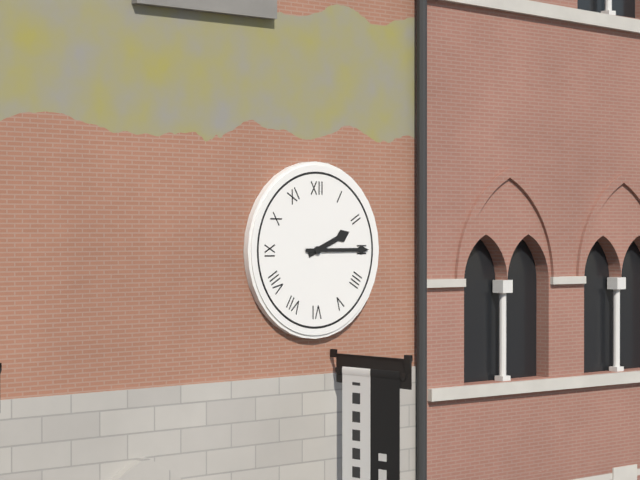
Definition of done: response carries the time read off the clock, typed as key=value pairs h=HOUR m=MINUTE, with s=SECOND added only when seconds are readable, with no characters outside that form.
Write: h=2 m=15
